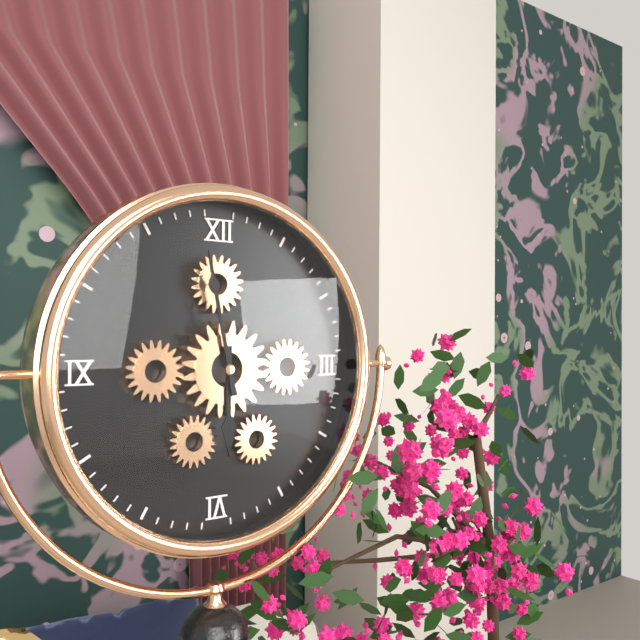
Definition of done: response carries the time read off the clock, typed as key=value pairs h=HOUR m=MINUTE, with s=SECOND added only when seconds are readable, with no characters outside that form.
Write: h=5 m=58
